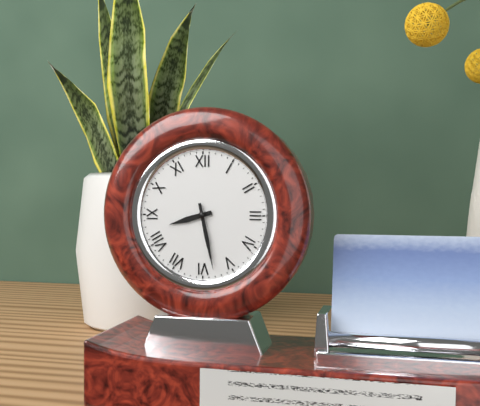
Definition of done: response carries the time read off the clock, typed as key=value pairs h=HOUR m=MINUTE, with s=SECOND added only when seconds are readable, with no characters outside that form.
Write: h=8 m=28
